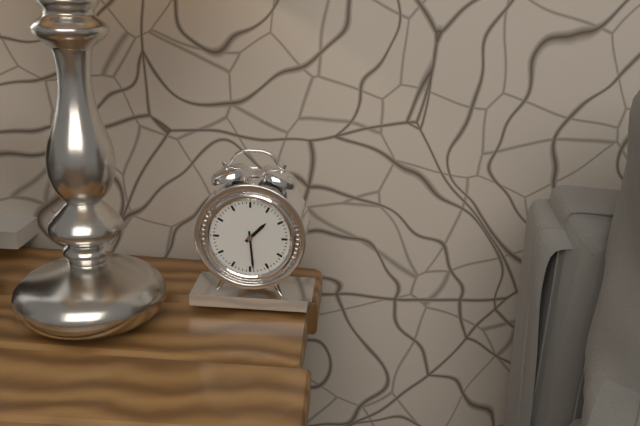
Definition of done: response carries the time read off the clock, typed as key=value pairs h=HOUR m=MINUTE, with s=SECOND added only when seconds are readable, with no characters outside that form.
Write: h=1 m=29
